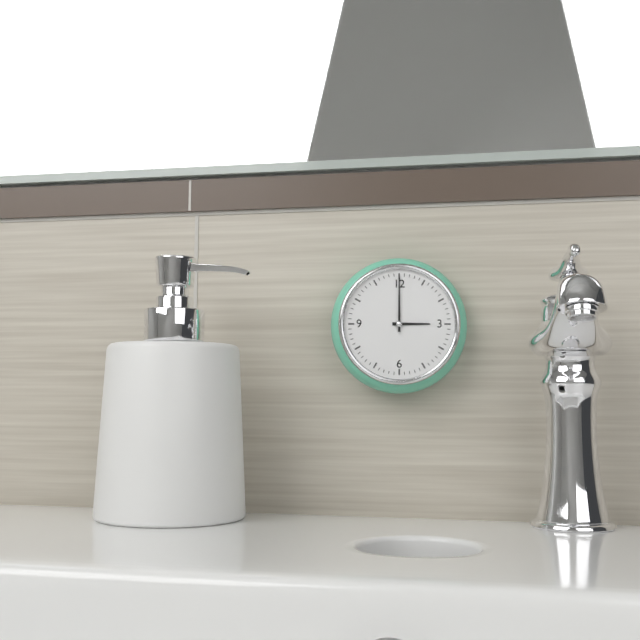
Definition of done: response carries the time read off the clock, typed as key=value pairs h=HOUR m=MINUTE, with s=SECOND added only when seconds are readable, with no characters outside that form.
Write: h=3 m=0
